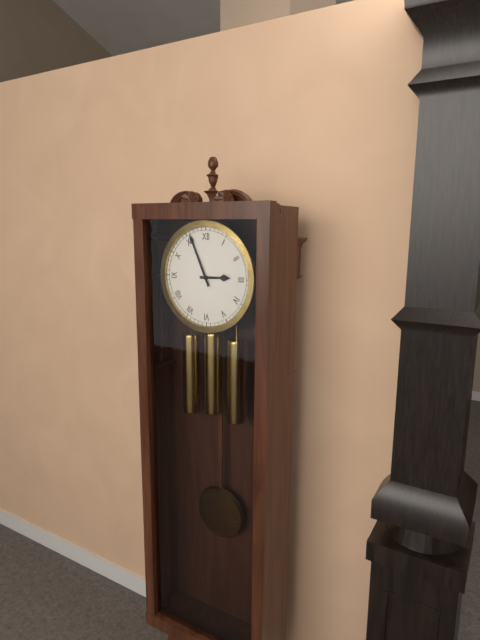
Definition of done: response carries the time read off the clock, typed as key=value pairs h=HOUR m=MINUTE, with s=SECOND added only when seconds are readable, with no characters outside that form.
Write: h=2 m=56
